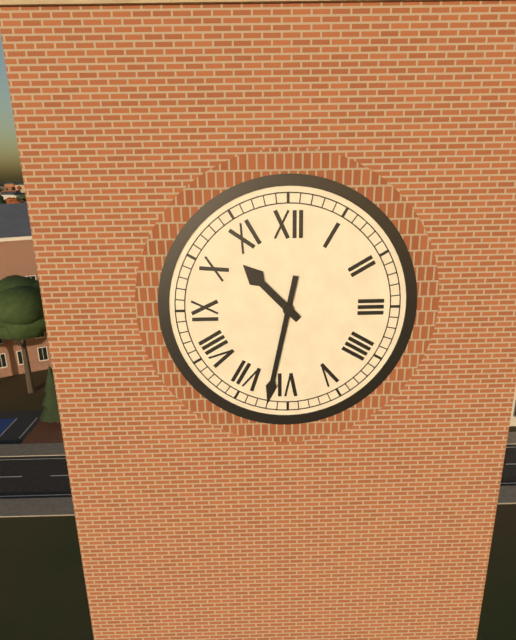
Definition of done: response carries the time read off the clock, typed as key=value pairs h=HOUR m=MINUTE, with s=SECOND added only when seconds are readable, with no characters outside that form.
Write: h=10 m=32
